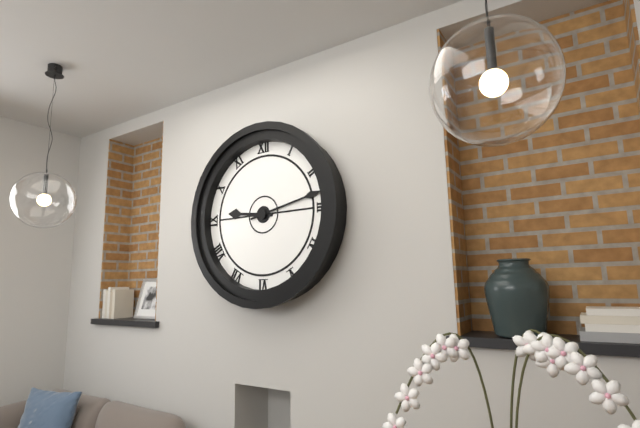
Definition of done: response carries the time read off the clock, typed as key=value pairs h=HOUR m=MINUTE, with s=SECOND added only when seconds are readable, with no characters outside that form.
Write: h=9 m=13
